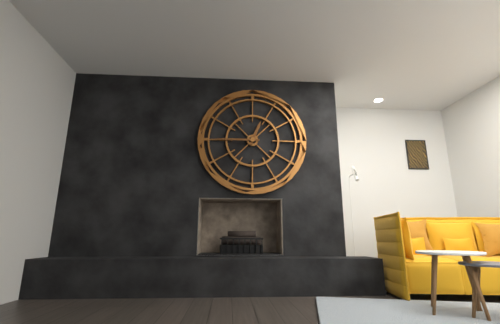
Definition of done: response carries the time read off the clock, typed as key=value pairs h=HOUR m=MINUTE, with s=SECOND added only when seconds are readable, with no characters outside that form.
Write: h=12 m=45
